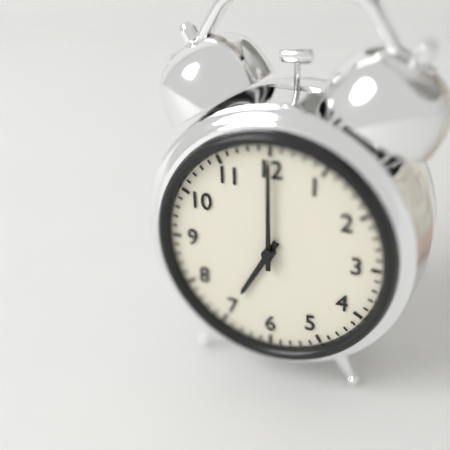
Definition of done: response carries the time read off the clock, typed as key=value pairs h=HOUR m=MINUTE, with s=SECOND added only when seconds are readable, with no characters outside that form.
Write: h=7 m=0
